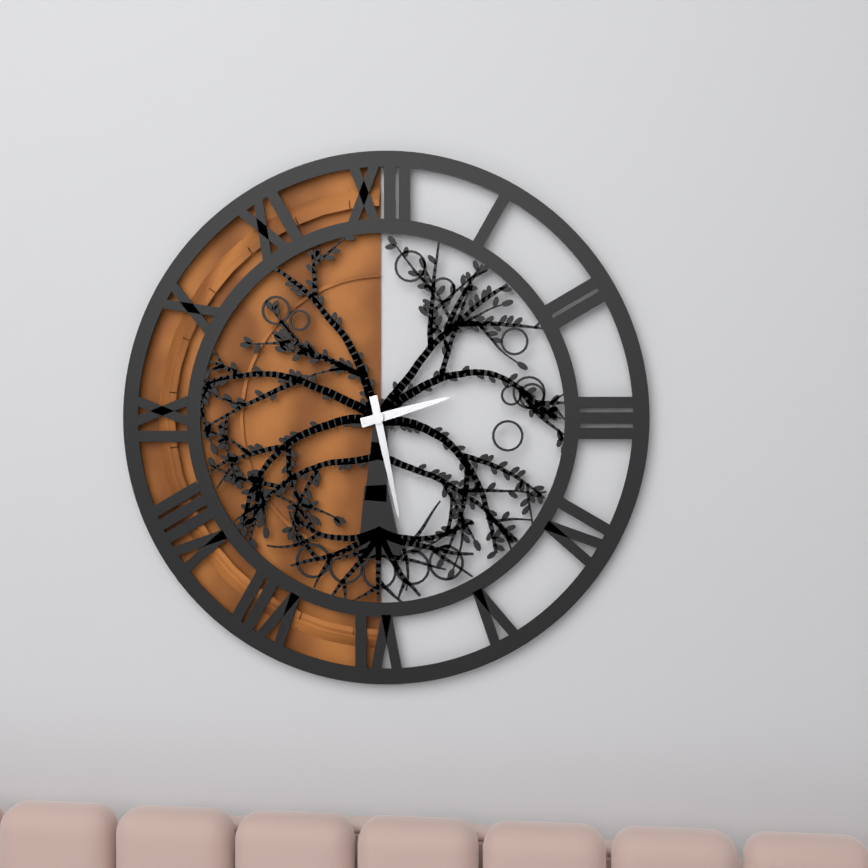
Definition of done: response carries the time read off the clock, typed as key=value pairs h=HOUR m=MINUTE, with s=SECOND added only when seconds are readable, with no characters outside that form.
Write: h=2 m=28
